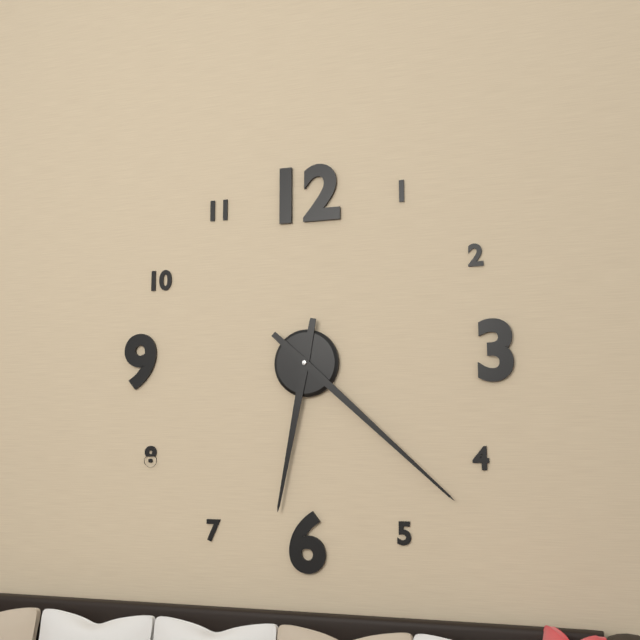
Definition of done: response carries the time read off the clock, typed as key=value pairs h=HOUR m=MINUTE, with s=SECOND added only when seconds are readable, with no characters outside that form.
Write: h=6 m=22
